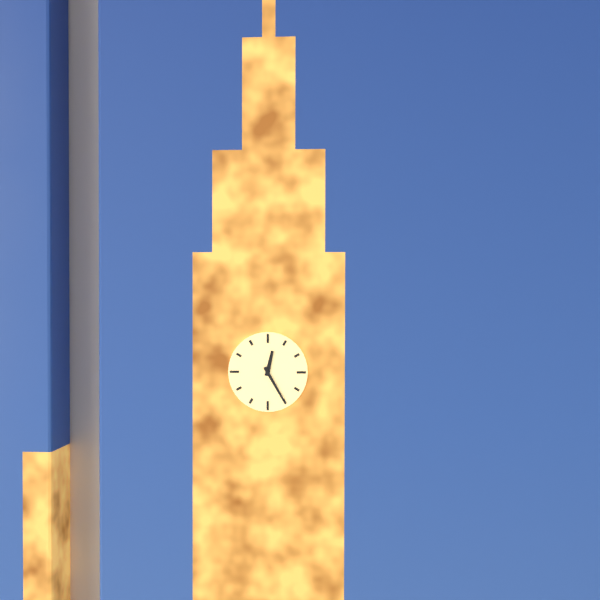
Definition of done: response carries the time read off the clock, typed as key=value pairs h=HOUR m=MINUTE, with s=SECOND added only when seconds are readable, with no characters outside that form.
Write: h=12 m=25
